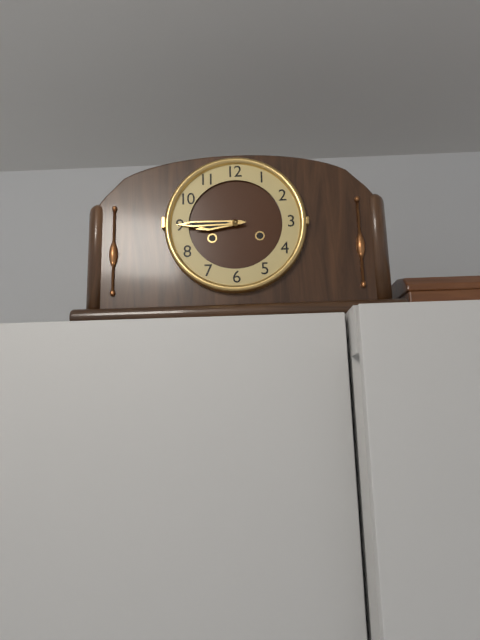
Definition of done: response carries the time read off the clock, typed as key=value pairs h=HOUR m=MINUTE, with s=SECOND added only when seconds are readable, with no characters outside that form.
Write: h=8 m=45
